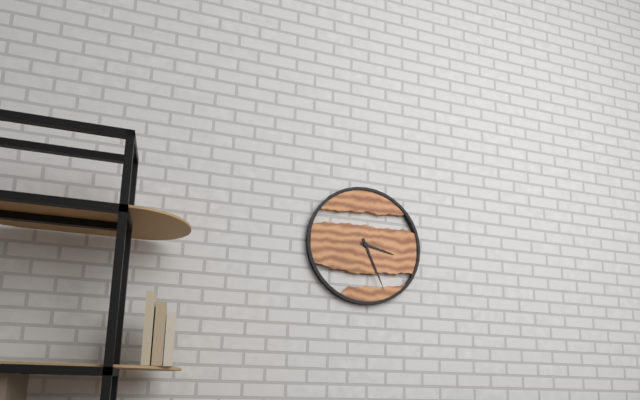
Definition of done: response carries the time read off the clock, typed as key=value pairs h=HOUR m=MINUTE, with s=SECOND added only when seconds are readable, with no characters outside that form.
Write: h=3 m=26
